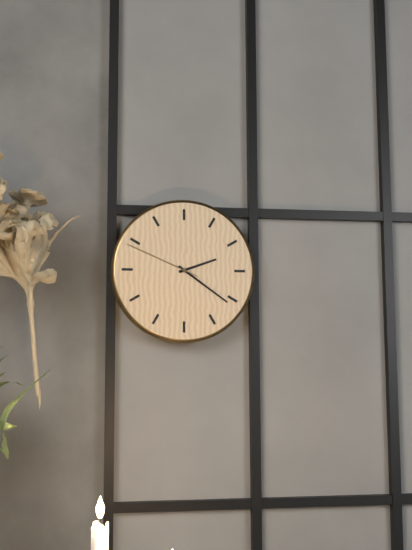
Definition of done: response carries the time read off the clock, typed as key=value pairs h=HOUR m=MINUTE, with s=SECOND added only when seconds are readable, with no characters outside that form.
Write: h=2 m=21 s=49
